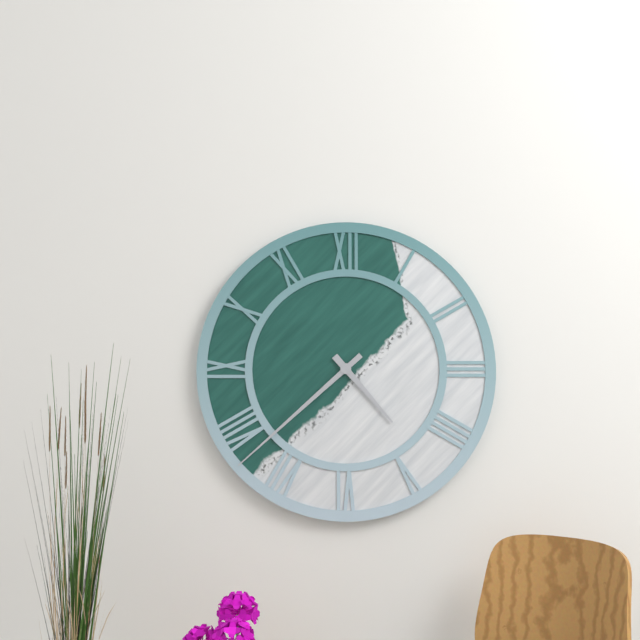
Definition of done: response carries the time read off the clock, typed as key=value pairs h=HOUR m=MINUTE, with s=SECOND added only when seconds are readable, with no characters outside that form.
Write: h=4 m=38
